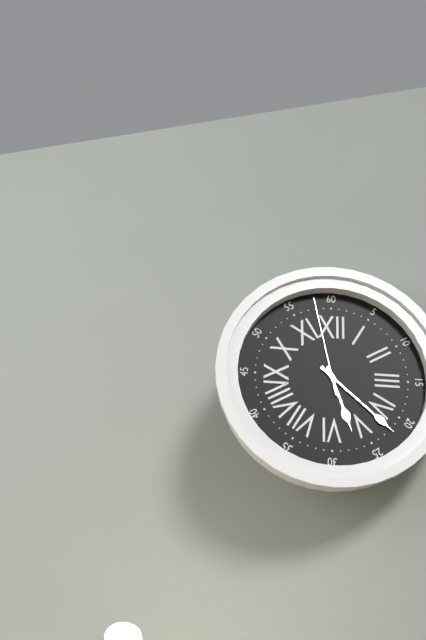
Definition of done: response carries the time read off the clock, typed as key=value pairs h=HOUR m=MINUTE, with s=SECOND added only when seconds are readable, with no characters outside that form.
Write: h=5 m=22 s=58
